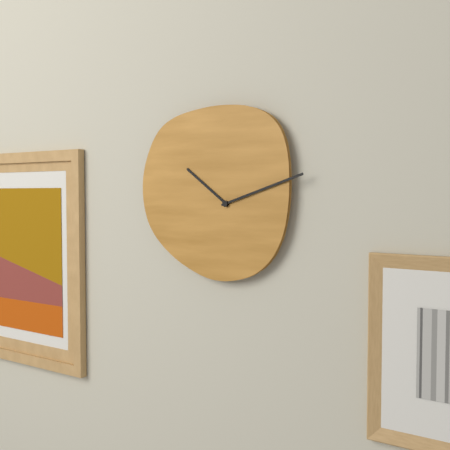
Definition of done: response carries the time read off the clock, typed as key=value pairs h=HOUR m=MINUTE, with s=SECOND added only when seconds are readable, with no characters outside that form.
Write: h=10 m=12
